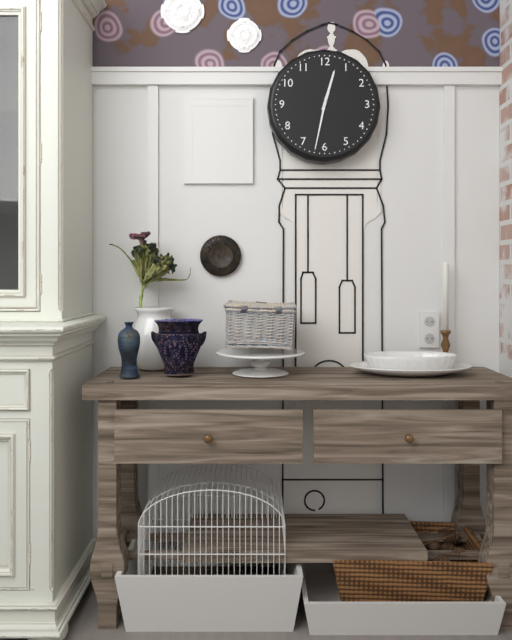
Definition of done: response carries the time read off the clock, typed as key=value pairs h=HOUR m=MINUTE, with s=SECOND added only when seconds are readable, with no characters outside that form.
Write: h=12 m=32
